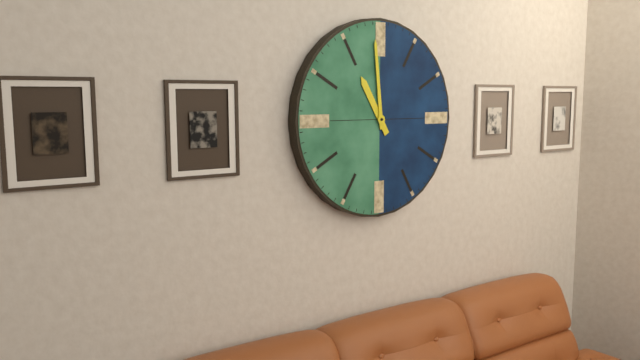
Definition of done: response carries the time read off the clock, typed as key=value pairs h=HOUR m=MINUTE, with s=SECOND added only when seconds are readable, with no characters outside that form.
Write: h=10 m=59
